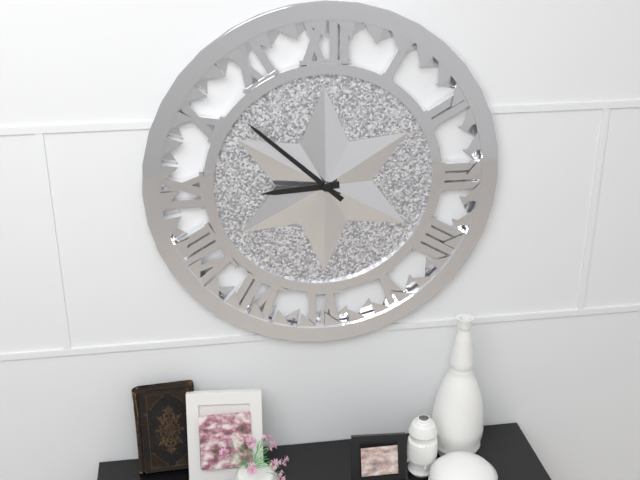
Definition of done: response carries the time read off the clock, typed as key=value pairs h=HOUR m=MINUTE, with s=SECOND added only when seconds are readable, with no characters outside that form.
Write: h=8 m=52
